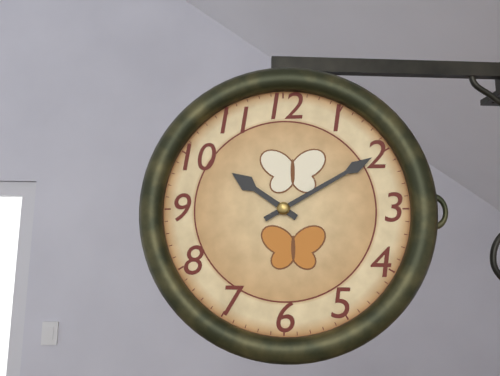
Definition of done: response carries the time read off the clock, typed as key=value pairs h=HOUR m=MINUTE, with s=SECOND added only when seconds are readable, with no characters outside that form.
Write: h=10 m=10
